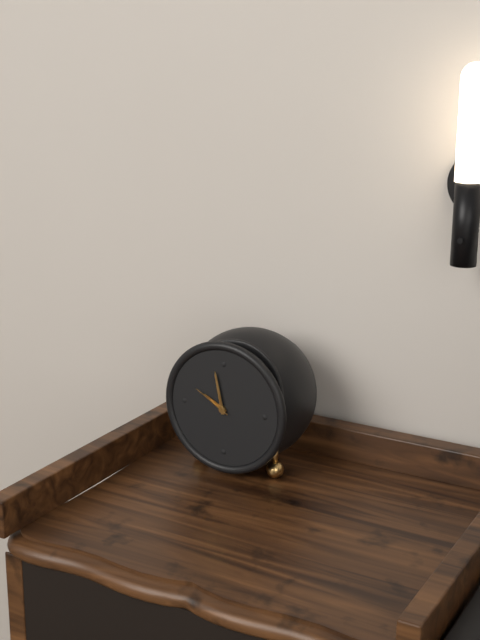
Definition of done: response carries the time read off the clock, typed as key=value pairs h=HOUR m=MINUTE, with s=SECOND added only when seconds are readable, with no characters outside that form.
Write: h=9 m=58
